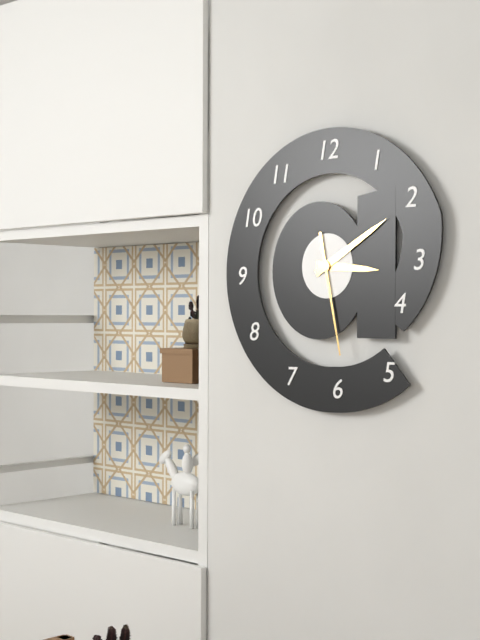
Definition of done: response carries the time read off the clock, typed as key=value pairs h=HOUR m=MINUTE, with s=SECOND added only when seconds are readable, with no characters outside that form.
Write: h=3 m=10 s=28
